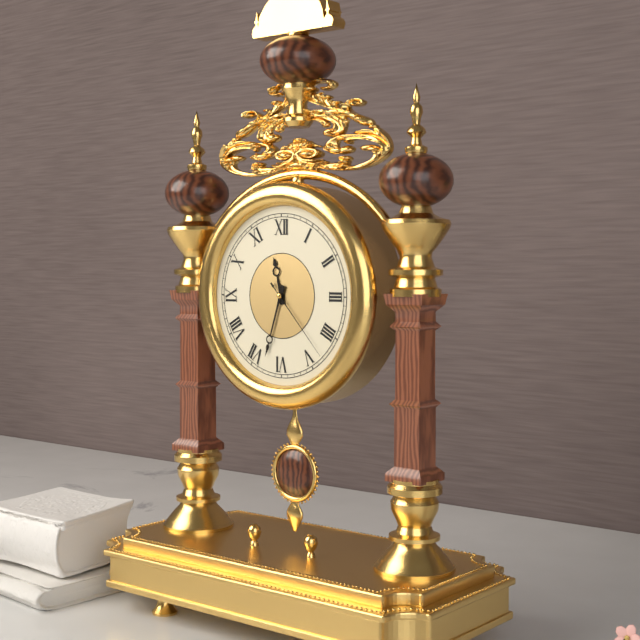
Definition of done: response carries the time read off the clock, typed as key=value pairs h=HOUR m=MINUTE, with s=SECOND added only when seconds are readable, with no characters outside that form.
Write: h=11 m=33 s=23
